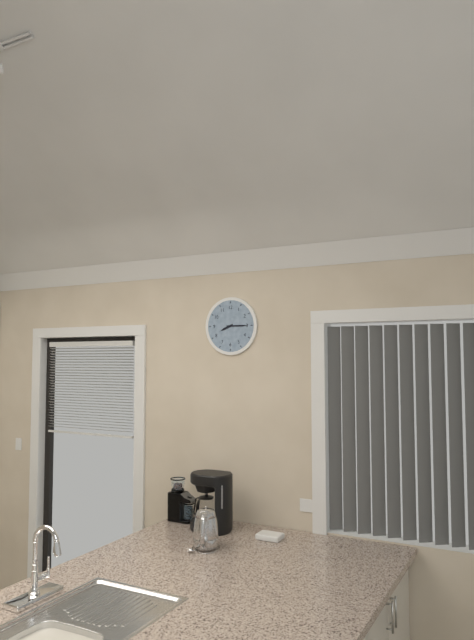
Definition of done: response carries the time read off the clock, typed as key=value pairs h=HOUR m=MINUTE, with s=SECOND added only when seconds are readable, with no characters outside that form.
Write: h=8 m=15
